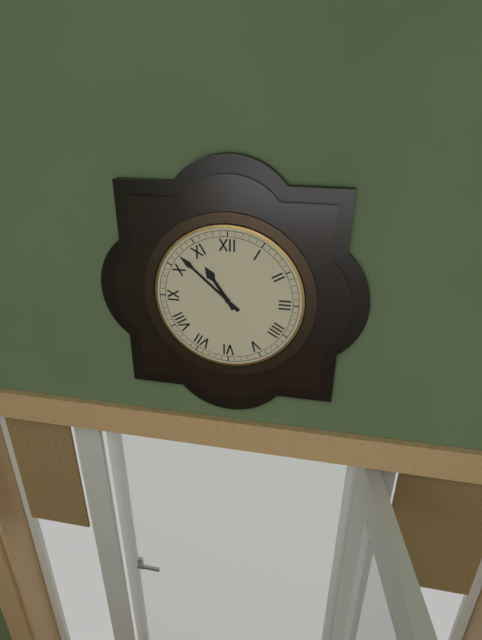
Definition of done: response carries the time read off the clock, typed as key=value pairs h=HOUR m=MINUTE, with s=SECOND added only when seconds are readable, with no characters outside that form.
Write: h=10 m=52
